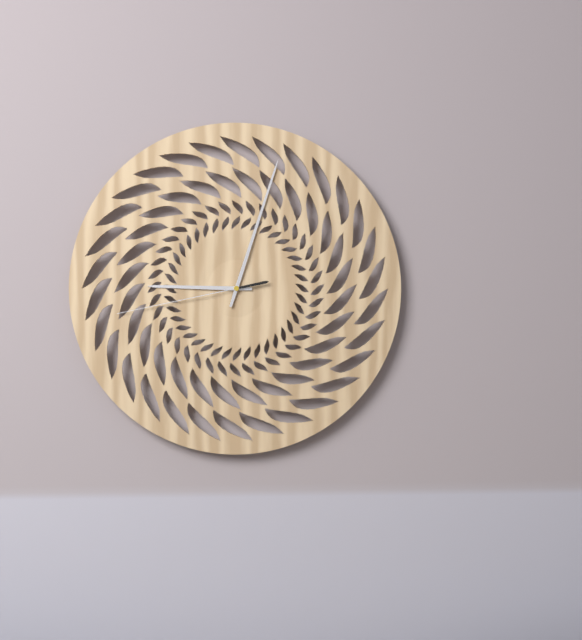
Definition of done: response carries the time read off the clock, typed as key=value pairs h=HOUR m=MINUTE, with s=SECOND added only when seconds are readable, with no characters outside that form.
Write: h=9 m=3 s=43
